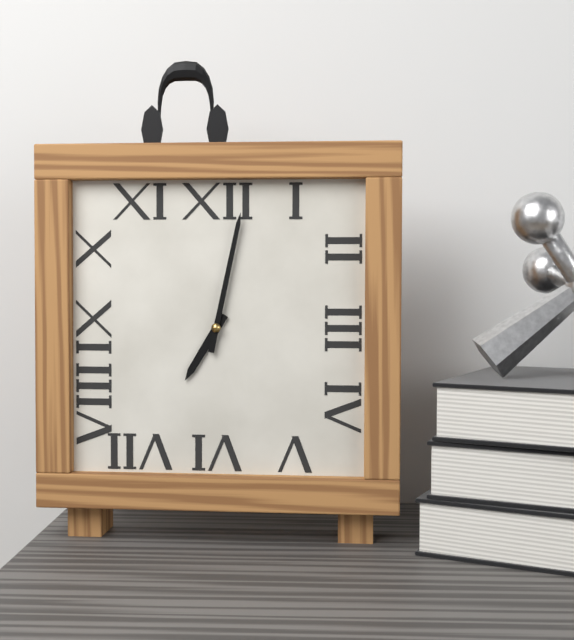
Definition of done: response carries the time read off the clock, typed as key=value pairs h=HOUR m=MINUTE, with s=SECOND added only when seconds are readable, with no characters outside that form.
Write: h=7 m=2
